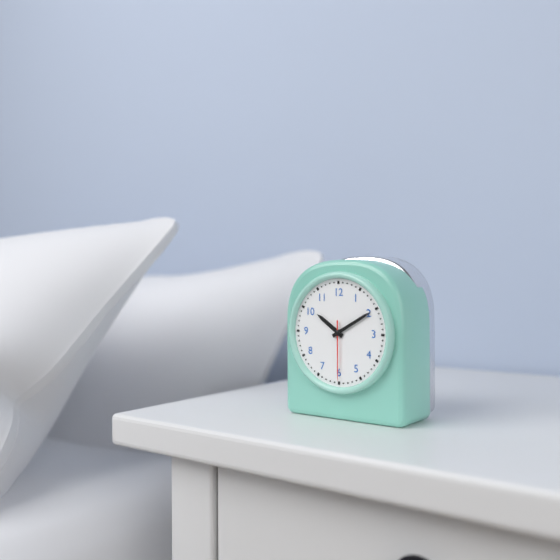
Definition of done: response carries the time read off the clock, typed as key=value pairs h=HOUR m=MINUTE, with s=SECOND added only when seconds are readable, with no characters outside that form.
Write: h=10 m=10 s=30
